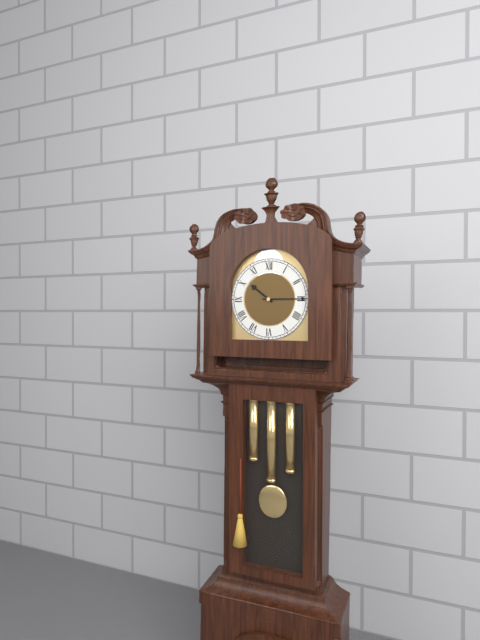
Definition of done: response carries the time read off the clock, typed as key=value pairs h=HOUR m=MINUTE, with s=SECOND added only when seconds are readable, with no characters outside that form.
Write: h=10 m=15
